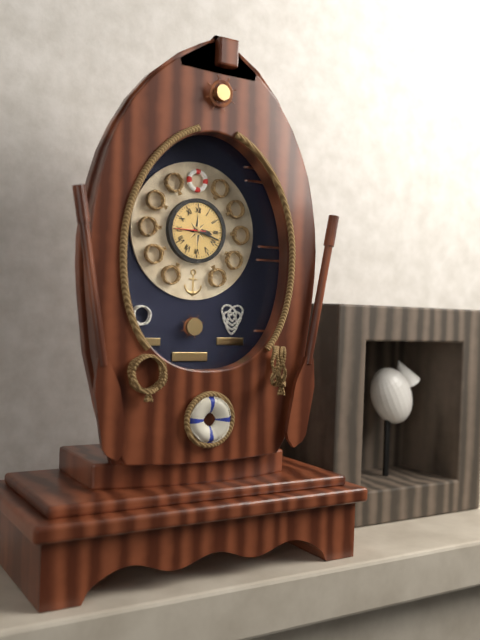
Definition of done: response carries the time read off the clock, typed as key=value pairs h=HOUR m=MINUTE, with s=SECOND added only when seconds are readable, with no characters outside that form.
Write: h=3 m=18
